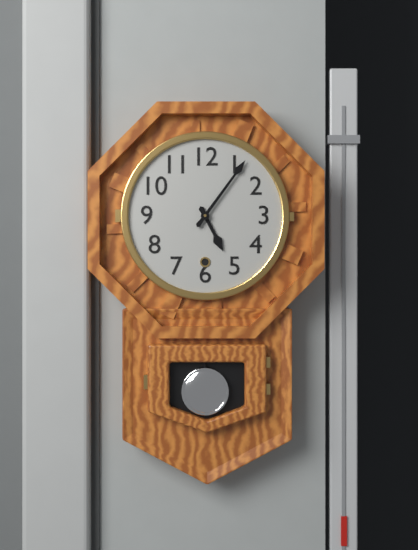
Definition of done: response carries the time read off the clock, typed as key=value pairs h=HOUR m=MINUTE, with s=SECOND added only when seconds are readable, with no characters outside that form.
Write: h=5 m=6
